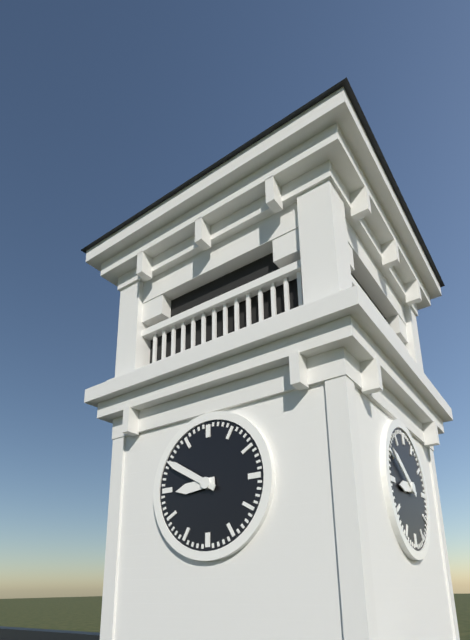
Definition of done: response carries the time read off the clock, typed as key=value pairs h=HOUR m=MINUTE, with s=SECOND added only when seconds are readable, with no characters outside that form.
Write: h=8 m=50
